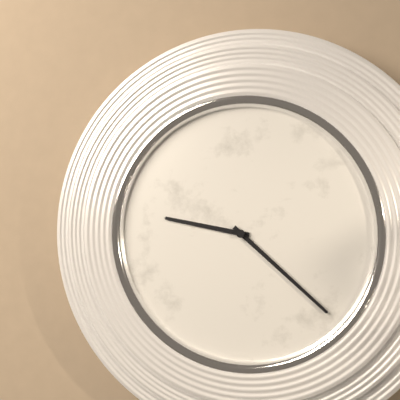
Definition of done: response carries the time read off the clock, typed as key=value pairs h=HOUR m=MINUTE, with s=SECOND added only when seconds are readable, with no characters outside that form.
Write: h=9 m=22
